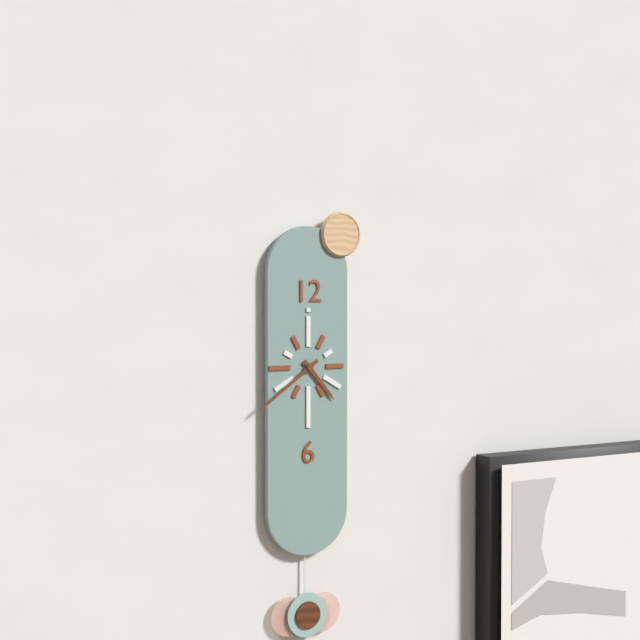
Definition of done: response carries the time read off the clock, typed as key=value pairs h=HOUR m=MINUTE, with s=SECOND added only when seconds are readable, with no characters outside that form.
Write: h=4 m=39
